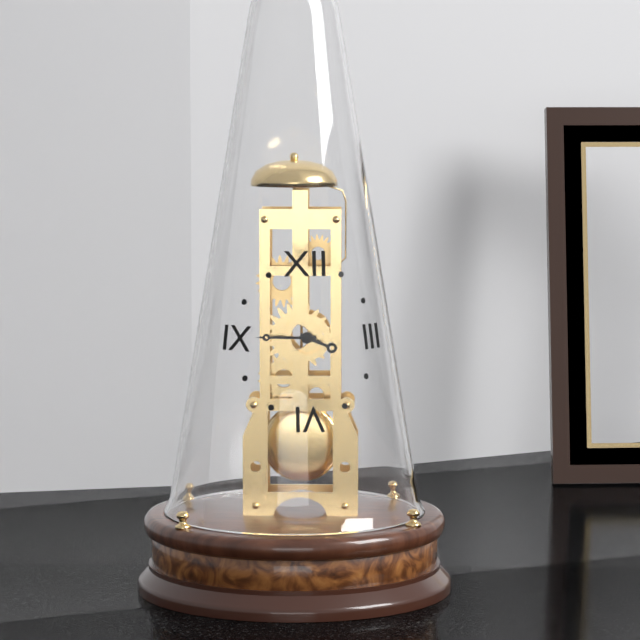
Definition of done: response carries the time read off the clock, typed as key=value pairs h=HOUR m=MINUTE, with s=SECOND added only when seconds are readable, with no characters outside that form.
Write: h=3 m=45
